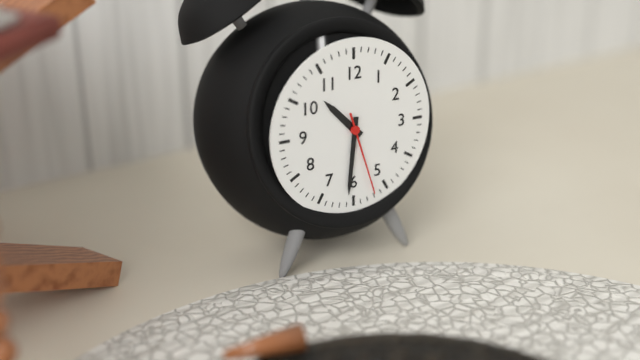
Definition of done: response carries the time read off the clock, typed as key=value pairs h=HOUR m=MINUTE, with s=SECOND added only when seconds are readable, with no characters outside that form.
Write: h=10 m=31 s=27
